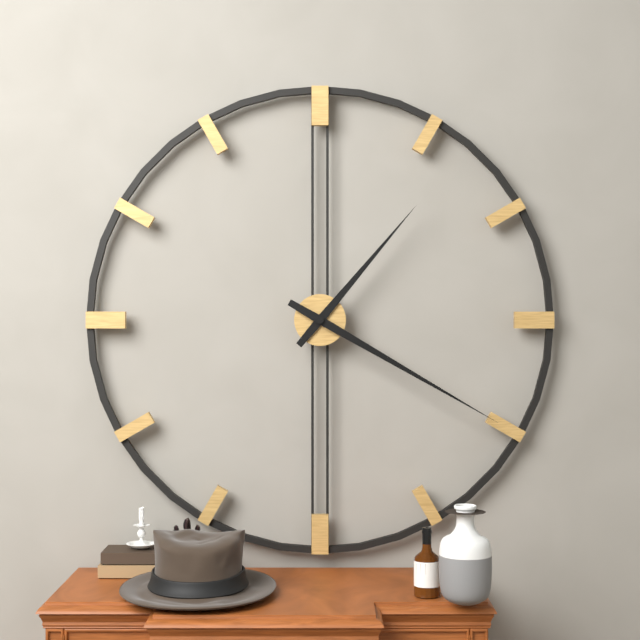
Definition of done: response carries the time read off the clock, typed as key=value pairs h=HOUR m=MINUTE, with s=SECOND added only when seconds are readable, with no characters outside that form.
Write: h=1 m=20
